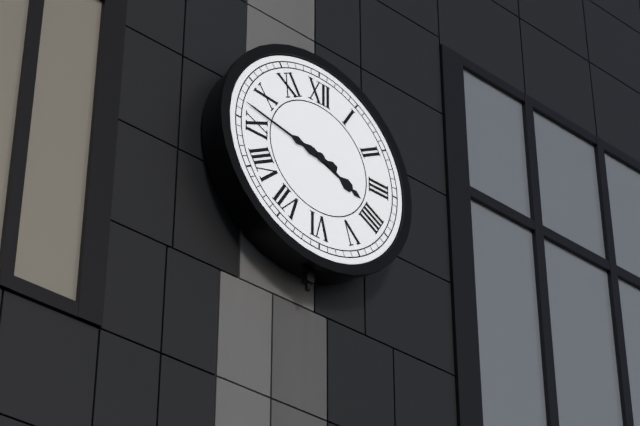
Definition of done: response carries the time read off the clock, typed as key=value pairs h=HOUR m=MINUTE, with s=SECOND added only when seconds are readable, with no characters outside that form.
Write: h=3 m=47
